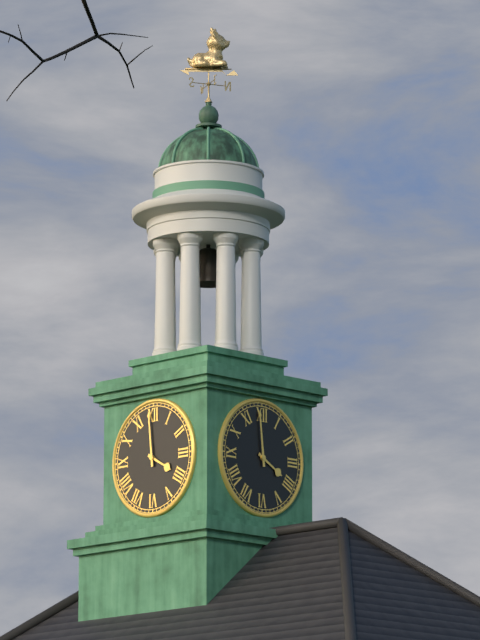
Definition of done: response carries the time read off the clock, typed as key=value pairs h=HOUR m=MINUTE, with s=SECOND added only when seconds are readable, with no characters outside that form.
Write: h=3 m=59
